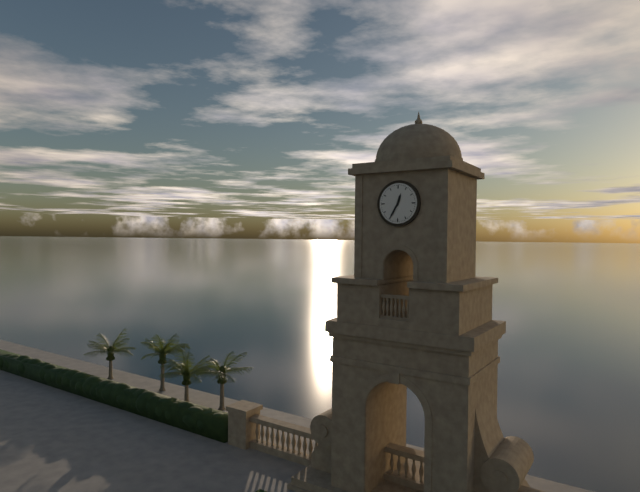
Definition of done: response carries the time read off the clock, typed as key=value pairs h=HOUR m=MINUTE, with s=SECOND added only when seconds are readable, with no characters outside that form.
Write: h=12 m=35
